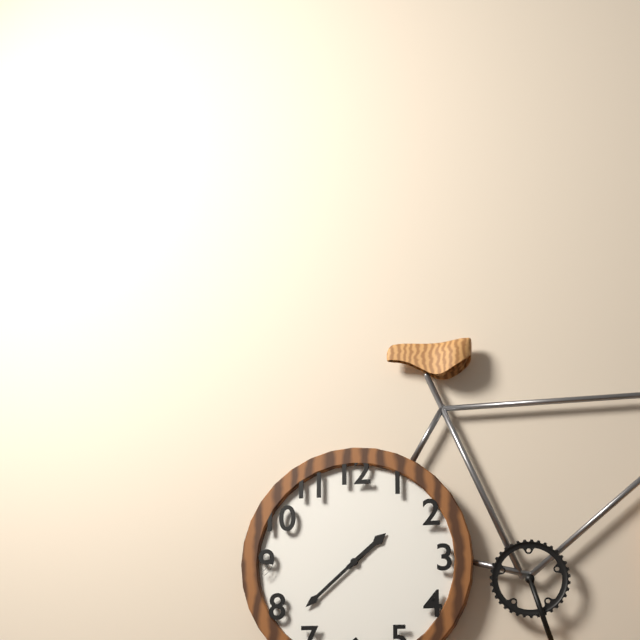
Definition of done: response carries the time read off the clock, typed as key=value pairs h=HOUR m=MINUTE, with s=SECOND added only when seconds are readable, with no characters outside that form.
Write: h=1 m=38
